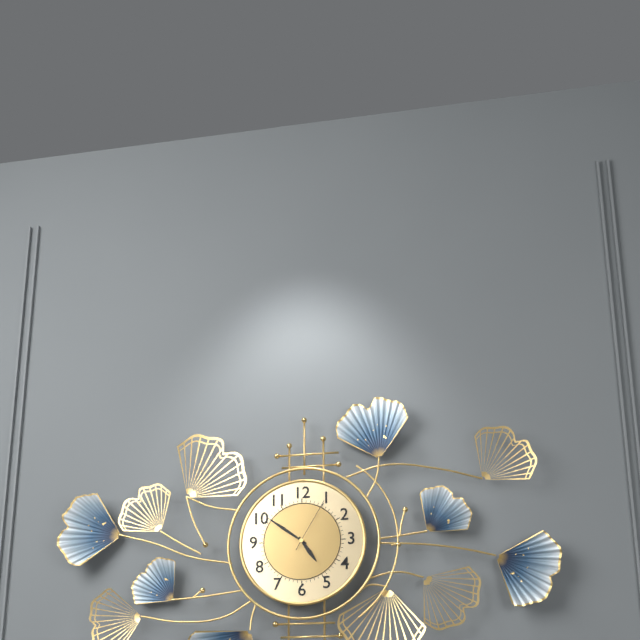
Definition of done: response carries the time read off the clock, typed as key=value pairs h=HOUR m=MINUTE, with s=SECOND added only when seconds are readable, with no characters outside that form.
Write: h=4 m=51 s=5
